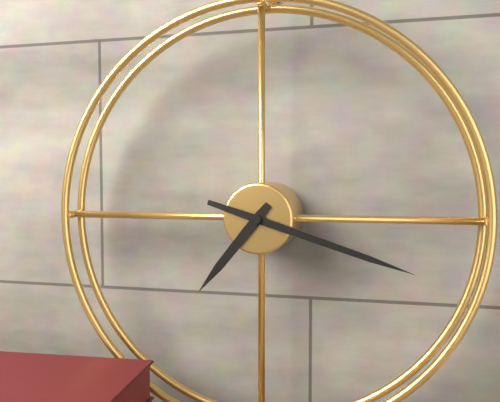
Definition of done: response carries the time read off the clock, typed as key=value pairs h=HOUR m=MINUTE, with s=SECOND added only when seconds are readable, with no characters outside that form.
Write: h=7 m=18
